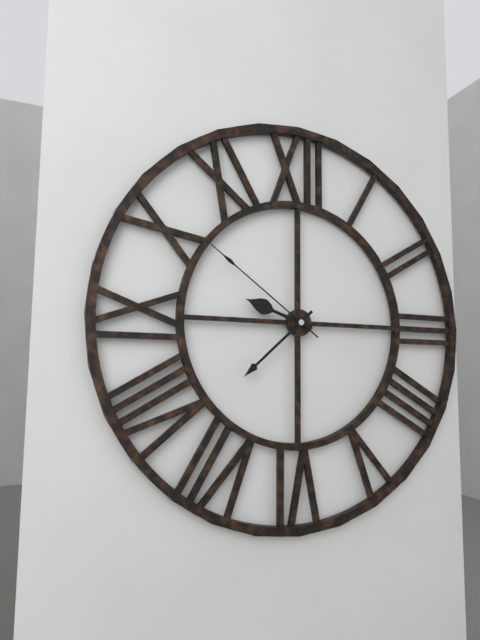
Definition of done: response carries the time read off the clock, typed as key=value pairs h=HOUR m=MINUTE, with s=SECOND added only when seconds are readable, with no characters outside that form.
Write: h=9 m=38 s=51
